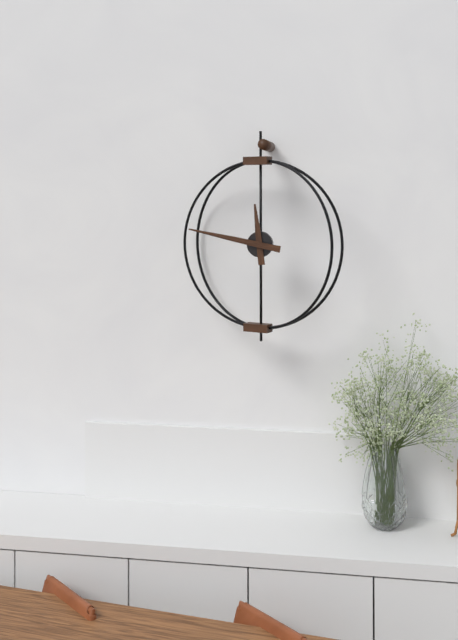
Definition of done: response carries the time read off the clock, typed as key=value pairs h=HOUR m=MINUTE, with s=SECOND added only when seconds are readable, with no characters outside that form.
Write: h=11 m=47
